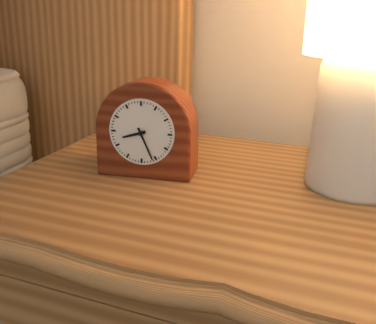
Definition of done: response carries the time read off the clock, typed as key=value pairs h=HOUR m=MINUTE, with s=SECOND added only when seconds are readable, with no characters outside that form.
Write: h=8 m=26
